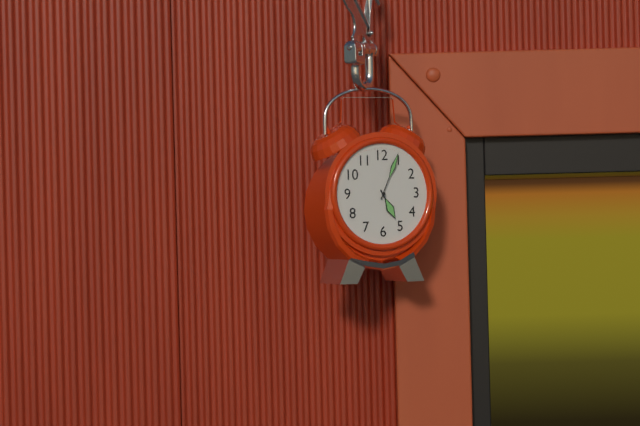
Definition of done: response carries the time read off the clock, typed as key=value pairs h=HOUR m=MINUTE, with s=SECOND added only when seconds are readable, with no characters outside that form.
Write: h=5 m=4
